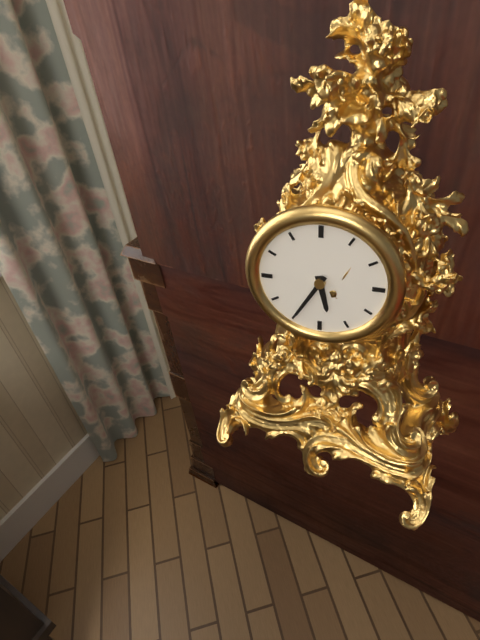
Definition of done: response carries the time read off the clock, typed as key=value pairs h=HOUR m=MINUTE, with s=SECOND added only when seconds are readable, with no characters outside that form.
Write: h=5 m=35
